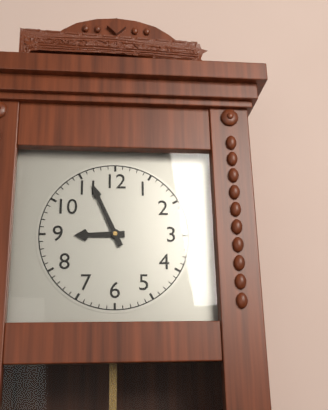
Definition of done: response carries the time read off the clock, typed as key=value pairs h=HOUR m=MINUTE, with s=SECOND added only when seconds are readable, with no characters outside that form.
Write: h=8 m=56
